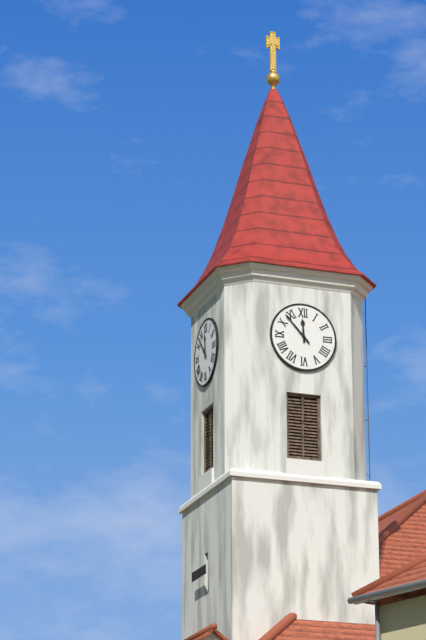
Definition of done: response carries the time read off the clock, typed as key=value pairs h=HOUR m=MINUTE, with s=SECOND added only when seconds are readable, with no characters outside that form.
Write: h=11 m=53
